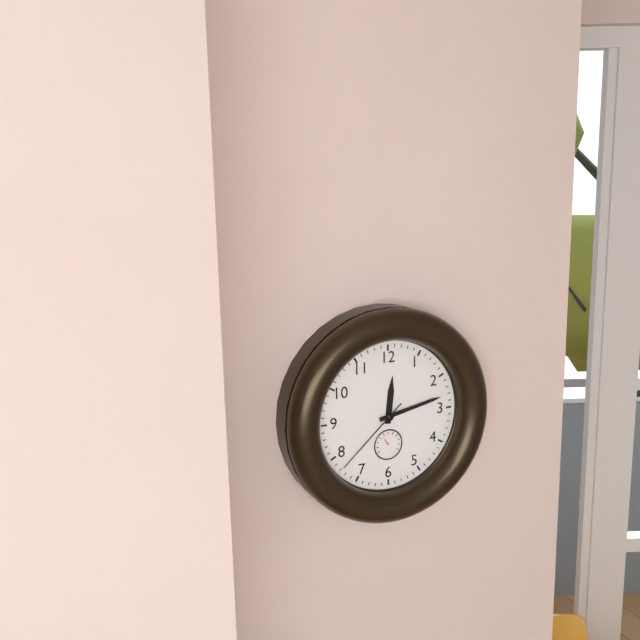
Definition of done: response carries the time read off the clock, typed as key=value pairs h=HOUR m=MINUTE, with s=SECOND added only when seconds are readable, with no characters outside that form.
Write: h=12 m=13 s=38
